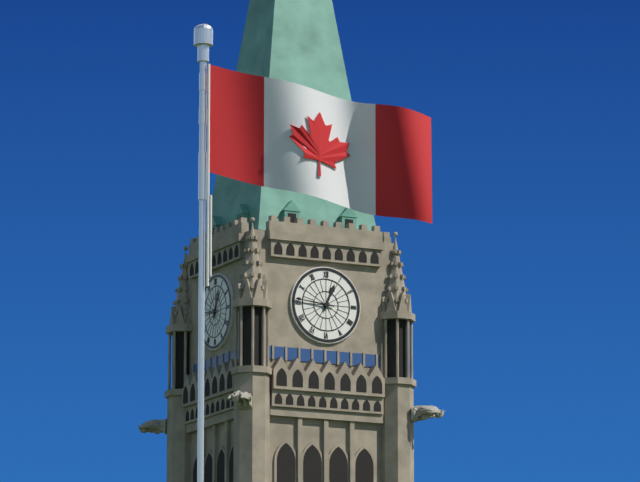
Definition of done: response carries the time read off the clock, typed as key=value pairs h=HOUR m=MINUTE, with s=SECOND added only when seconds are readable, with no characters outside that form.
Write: h=12 m=46
